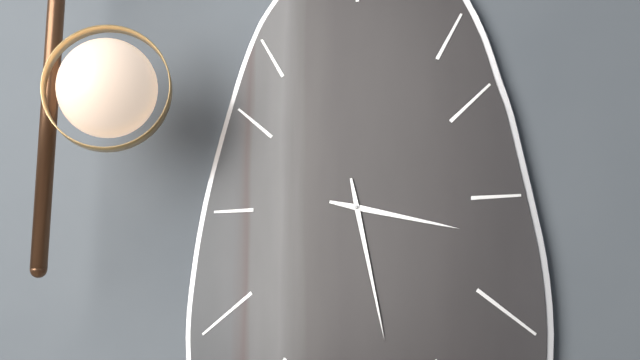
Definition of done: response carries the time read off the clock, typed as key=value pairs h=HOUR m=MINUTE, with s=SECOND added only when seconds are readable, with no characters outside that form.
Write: h=3 m=28
